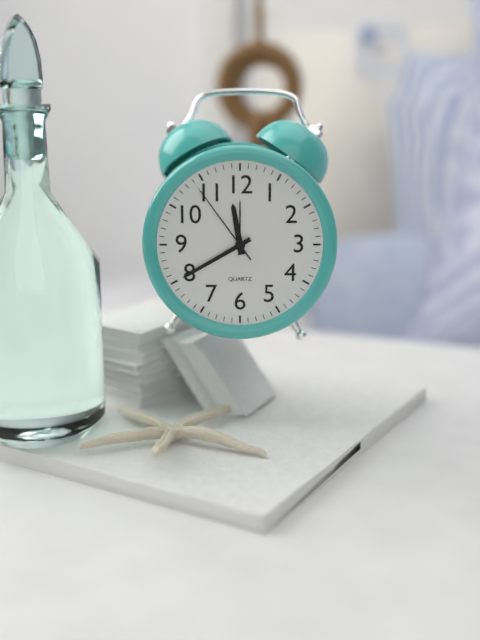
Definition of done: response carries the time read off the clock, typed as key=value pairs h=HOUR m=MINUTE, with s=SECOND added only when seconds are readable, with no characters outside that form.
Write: h=11 m=40 s=54
